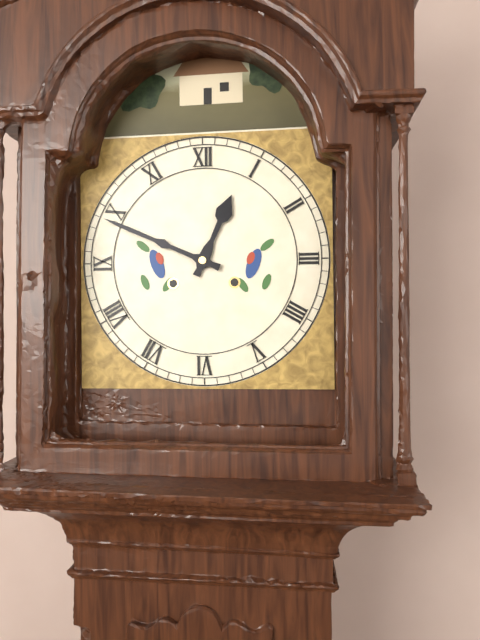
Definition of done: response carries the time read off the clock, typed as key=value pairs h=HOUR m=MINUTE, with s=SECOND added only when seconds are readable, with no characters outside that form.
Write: h=12 m=49
